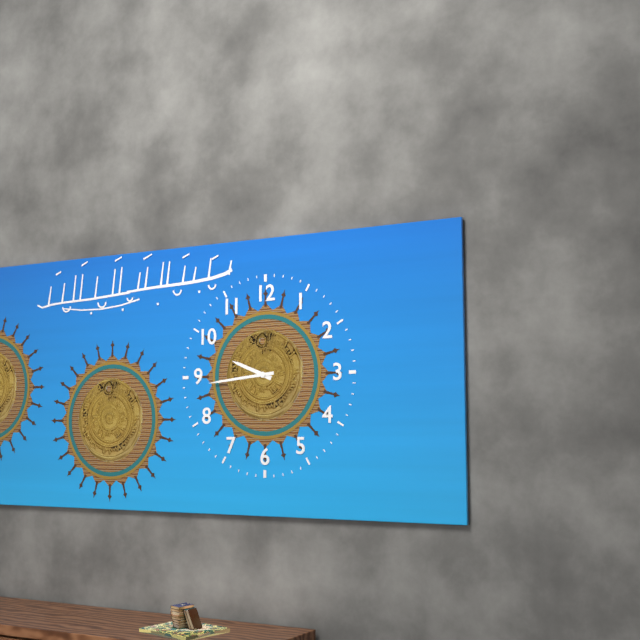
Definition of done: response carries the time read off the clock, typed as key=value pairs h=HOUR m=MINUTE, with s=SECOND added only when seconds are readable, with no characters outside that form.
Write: h=9 m=44
